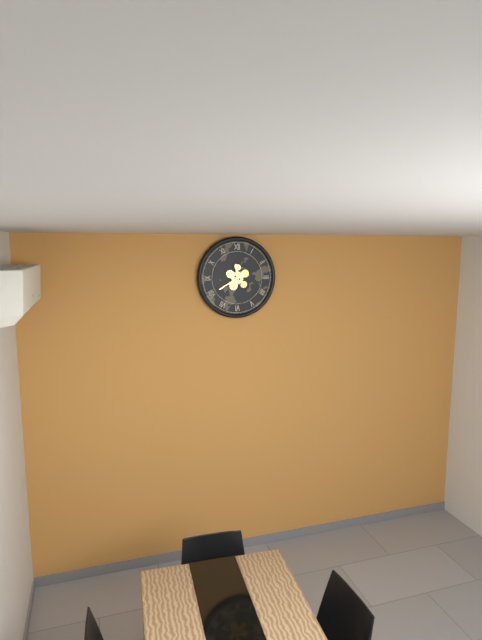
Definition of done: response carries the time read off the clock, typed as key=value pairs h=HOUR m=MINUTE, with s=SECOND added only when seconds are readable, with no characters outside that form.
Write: h=11 m=40
